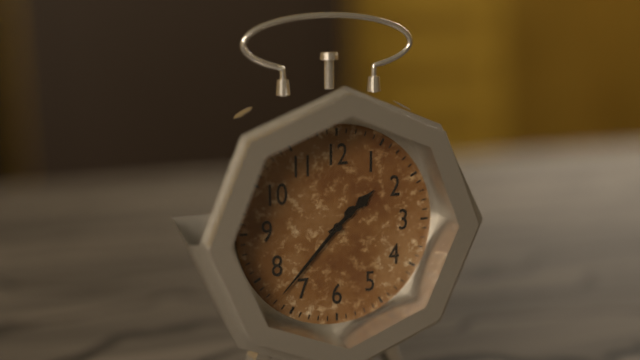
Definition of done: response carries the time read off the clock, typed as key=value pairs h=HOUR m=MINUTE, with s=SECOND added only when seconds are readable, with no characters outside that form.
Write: h=1 m=37
